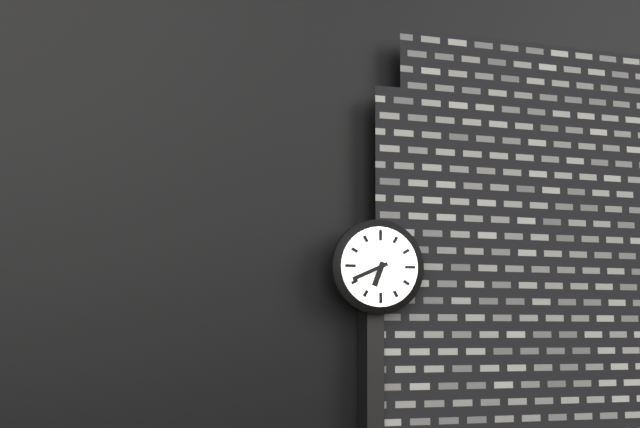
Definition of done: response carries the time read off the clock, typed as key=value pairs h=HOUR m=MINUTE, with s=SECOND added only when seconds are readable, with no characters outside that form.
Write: h=6 m=41
